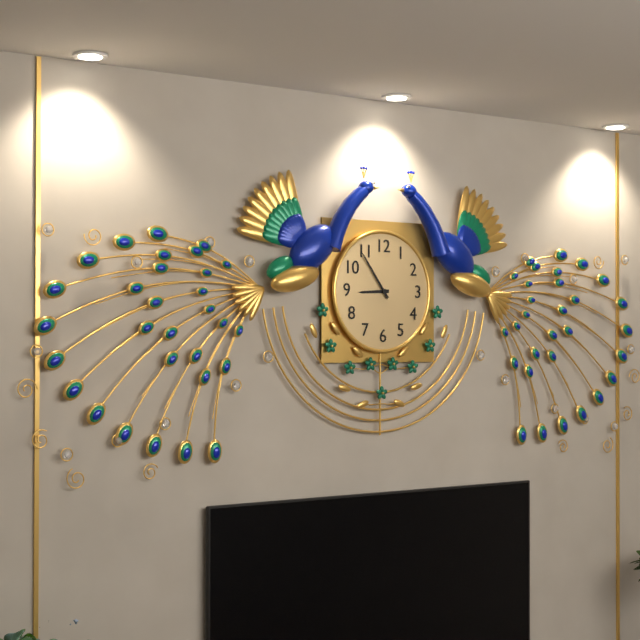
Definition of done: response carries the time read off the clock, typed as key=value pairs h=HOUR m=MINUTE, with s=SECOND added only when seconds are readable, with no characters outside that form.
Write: h=8 m=54
